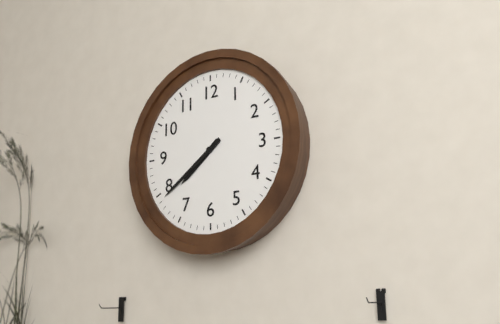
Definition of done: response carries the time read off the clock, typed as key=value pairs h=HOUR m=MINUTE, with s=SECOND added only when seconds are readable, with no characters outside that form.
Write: h=7 m=39
